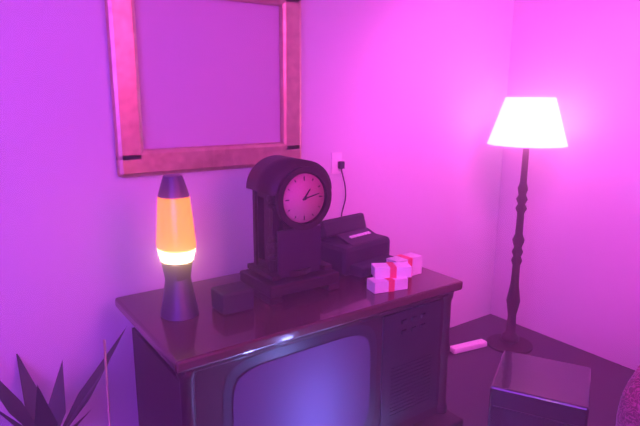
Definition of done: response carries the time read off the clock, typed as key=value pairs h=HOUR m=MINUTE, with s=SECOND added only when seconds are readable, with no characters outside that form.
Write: h=1 m=13
